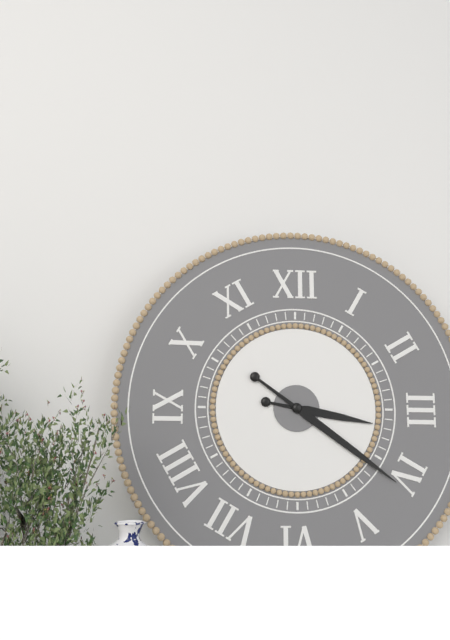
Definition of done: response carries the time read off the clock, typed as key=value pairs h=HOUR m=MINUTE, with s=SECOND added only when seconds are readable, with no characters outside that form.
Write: h=3 m=21
